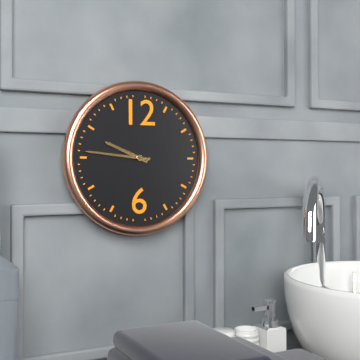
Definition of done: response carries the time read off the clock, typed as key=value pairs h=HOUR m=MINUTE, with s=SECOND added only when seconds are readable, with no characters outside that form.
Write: h=9 m=46
